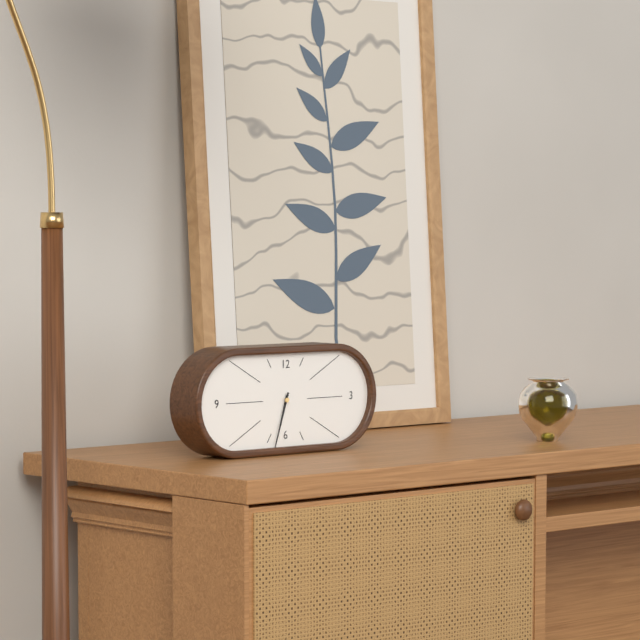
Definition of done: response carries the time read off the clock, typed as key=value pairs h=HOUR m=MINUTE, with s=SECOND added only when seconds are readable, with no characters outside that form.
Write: h=6 m=33
